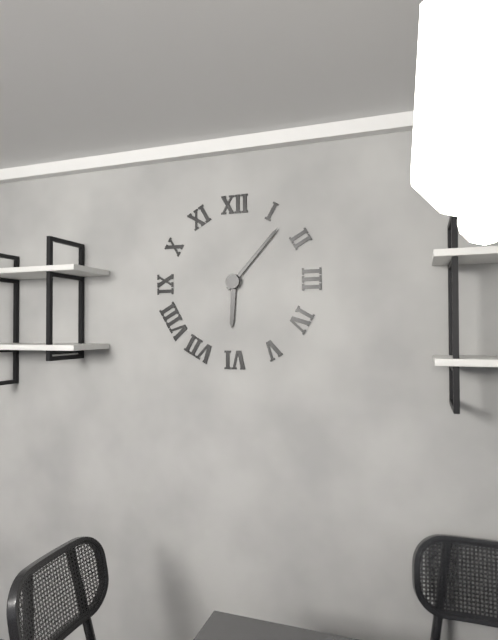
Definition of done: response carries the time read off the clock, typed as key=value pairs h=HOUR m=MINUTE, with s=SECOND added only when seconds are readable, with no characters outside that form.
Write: h=6 m=7
